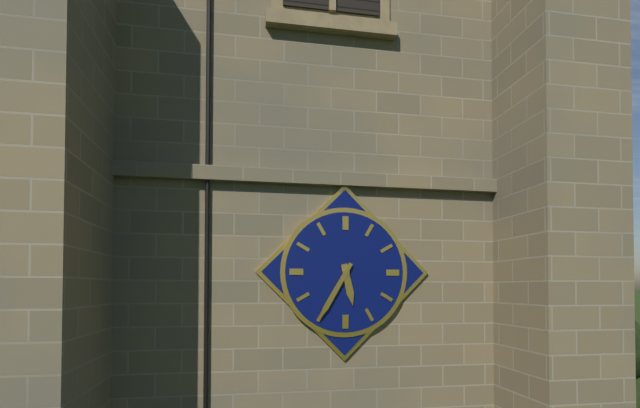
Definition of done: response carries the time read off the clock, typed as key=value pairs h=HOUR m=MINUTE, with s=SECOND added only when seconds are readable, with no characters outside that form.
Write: h=5 m=35
